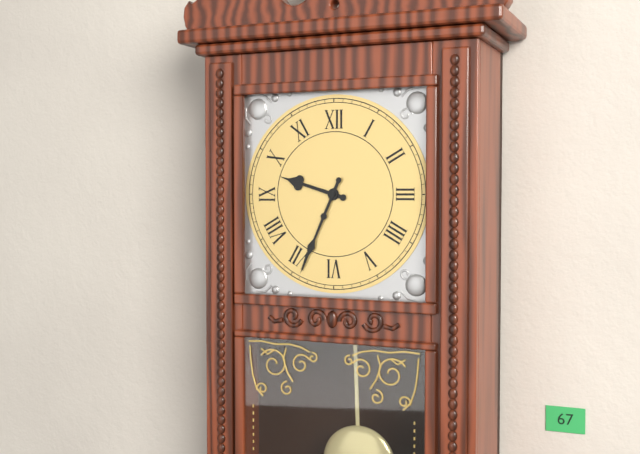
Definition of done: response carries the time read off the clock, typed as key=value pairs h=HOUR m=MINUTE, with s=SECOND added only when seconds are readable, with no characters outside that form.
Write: h=9 m=34
